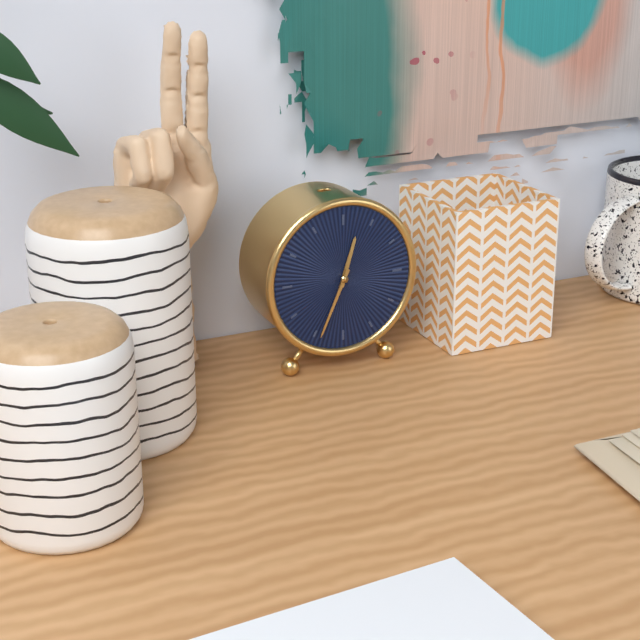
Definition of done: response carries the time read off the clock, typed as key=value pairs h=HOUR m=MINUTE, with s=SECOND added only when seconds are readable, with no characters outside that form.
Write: h=12 m=34
